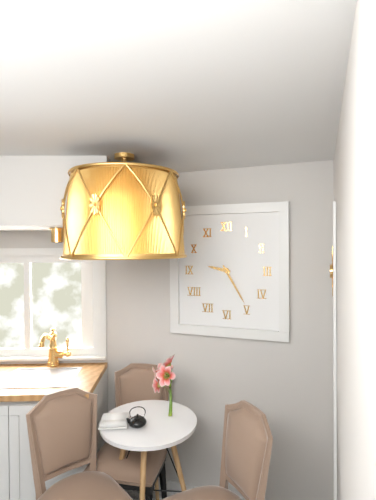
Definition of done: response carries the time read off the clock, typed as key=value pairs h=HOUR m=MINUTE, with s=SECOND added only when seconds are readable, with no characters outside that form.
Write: h=9 m=25
